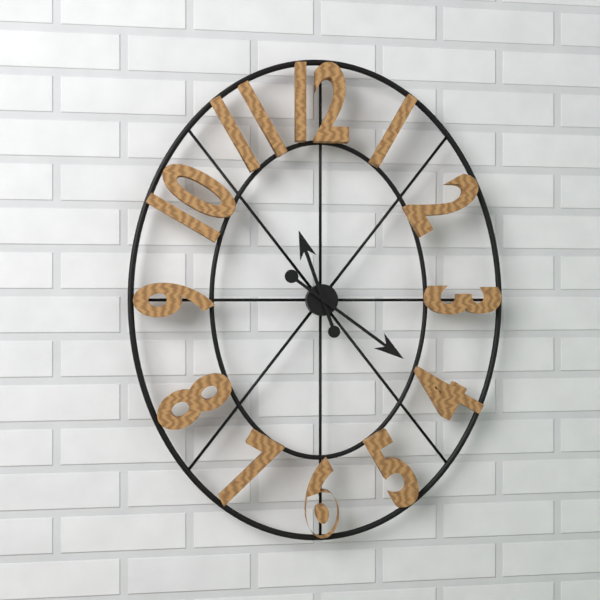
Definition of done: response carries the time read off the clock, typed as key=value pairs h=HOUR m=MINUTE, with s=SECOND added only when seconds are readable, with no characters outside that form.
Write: h=11 m=21
